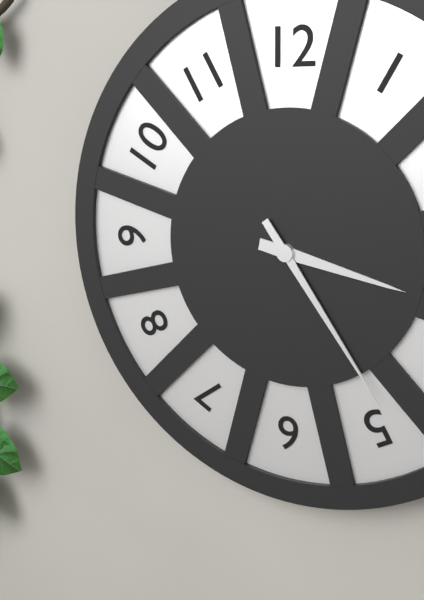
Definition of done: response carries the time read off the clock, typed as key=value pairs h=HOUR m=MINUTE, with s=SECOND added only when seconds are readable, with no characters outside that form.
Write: h=3 m=24
